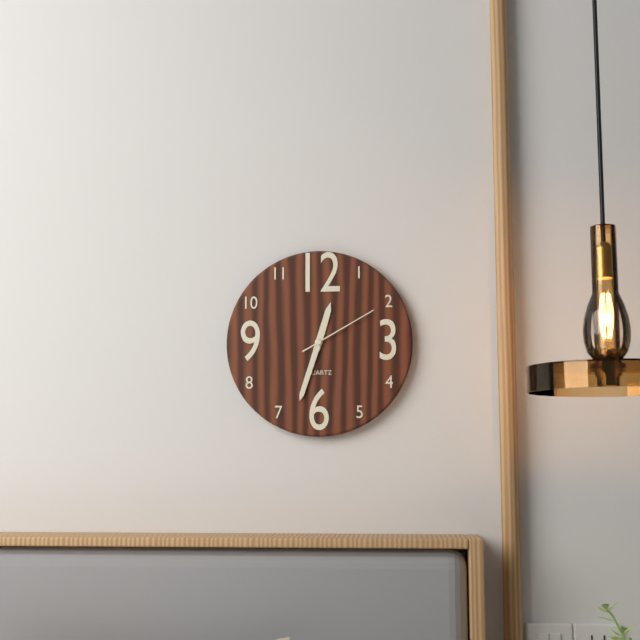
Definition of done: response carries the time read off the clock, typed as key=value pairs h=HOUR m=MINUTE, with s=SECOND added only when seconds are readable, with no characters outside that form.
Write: h=12 m=33 s=10
